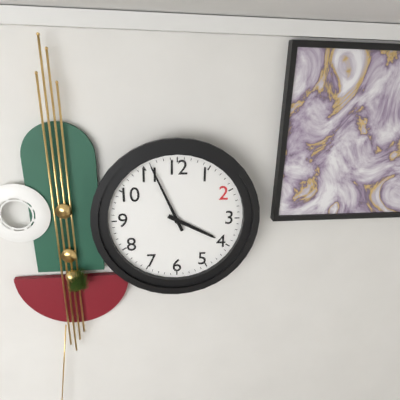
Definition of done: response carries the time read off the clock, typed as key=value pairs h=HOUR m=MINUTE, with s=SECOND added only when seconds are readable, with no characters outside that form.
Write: h=3 m=56
